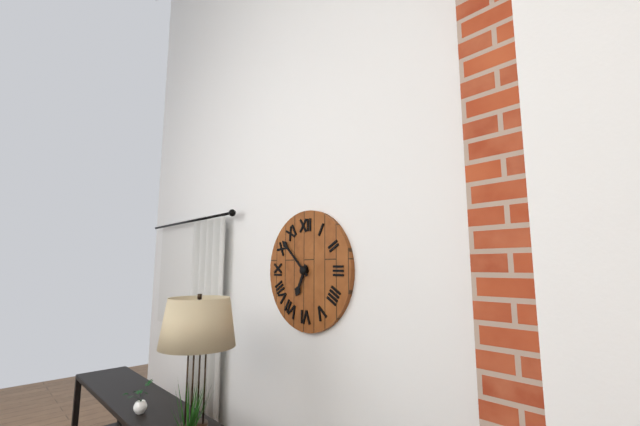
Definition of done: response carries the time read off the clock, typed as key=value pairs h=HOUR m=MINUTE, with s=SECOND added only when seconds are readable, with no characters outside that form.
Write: h=6 m=52
